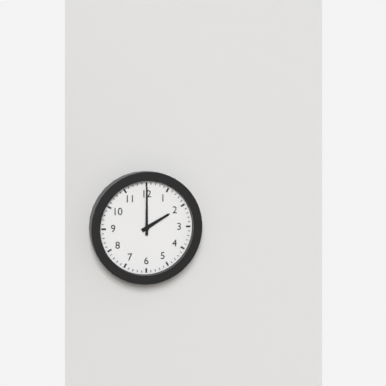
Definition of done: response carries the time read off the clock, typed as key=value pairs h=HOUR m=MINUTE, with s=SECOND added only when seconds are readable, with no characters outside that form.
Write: h=2 m=0
